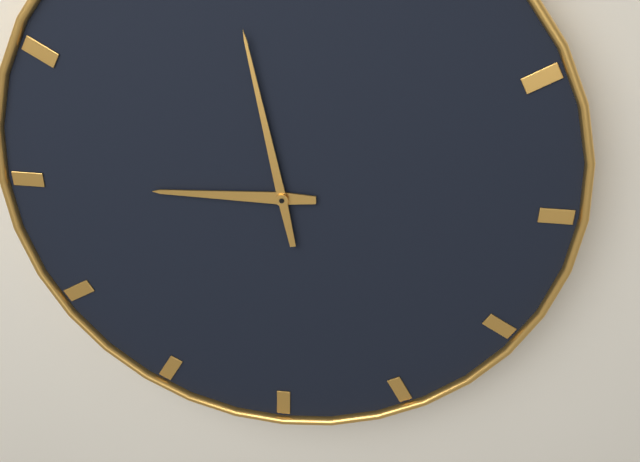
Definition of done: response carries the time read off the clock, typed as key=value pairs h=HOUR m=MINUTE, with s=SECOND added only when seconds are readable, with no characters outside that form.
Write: h=8 m=58
